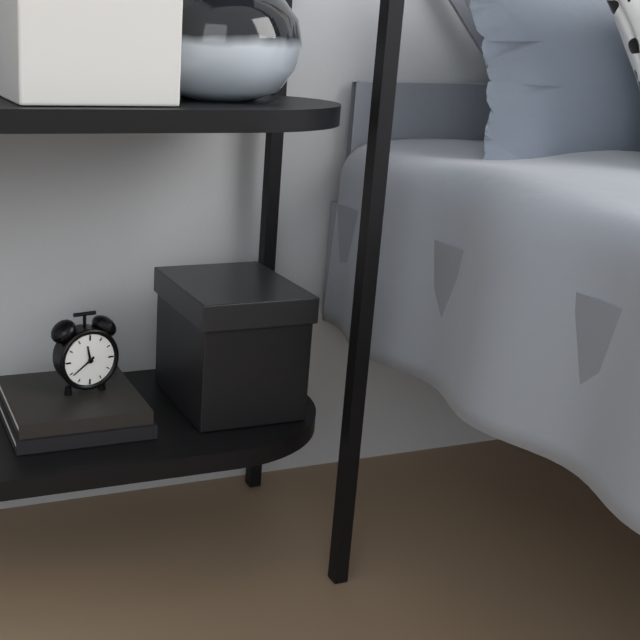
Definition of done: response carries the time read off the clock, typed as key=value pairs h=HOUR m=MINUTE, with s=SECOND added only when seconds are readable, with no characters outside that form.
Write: h=11 m=39
